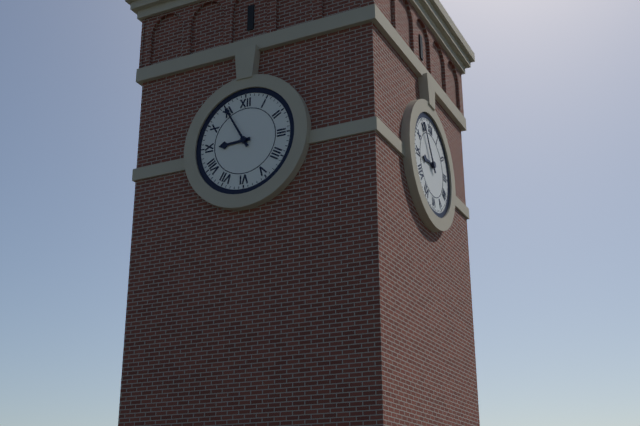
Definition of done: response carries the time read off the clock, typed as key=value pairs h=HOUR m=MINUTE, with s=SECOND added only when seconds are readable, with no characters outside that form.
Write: h=8 m=55
